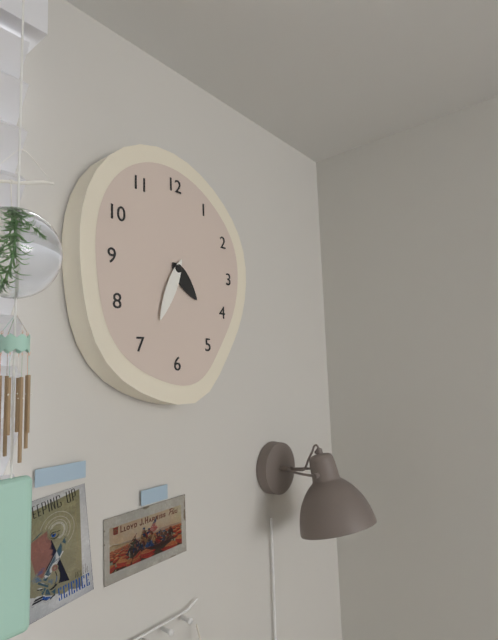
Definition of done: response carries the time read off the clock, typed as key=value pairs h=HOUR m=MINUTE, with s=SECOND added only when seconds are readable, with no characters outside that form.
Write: h=4 m=34
